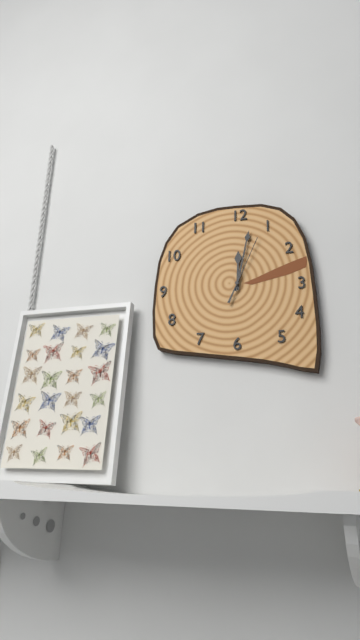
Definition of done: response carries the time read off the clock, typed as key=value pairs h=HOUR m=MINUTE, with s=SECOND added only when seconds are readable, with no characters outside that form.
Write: h=12 m=2 s=4
